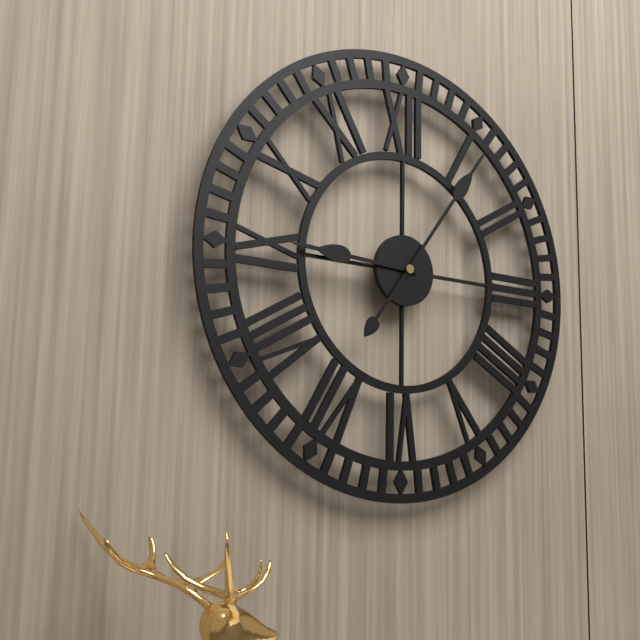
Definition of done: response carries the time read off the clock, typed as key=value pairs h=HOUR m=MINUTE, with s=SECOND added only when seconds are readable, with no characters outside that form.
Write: h=9 m=6
